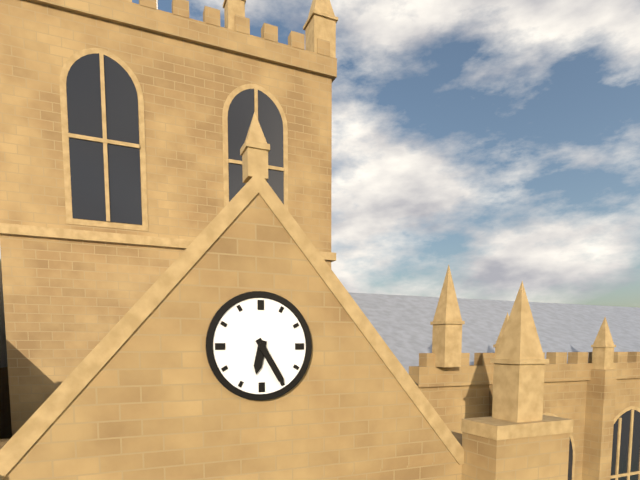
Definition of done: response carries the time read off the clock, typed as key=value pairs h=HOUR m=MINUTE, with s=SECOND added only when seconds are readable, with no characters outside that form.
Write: h=6 m=25
